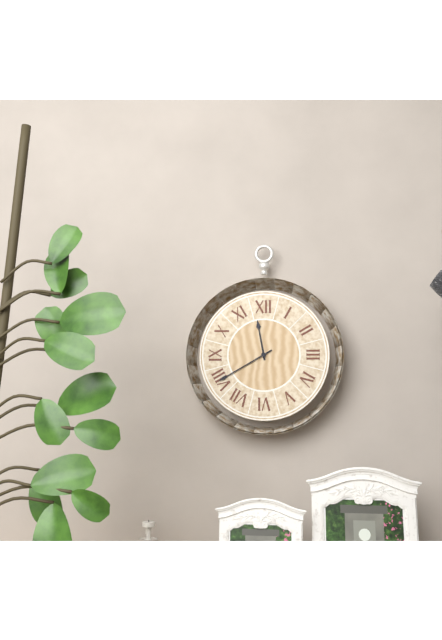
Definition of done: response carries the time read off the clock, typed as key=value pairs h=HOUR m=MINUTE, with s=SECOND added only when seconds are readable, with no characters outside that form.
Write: h=11 m=40
